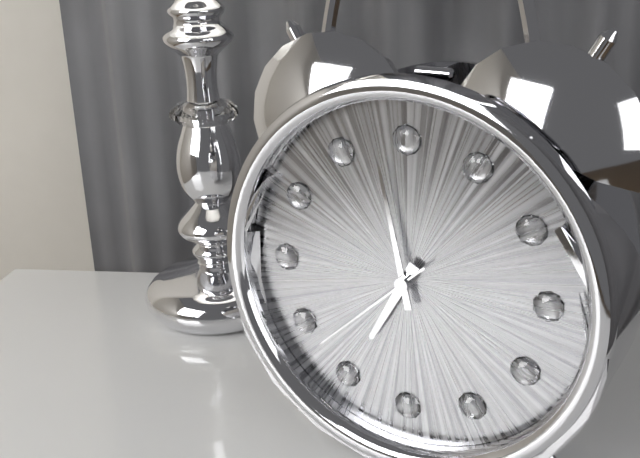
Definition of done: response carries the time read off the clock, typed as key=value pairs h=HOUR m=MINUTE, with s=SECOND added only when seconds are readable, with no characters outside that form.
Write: h=6 m=58 s=38
